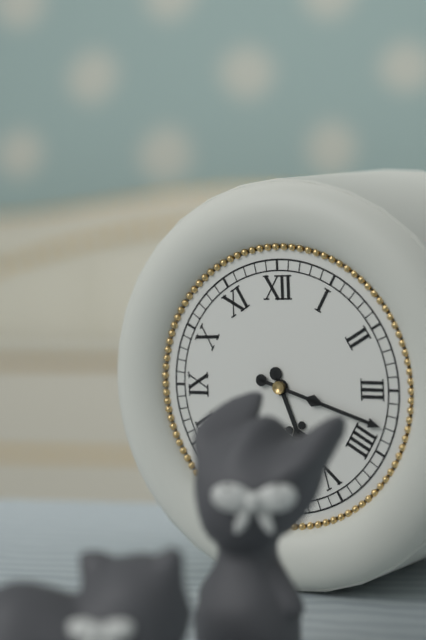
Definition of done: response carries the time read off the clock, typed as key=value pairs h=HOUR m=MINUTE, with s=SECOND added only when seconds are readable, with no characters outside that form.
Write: h=5 m=18
